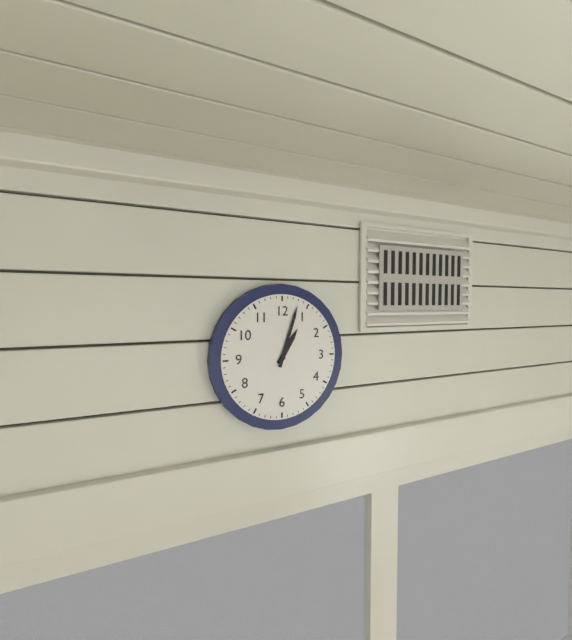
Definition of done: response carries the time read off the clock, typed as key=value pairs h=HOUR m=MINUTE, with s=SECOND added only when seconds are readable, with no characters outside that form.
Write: h=1 m=3
